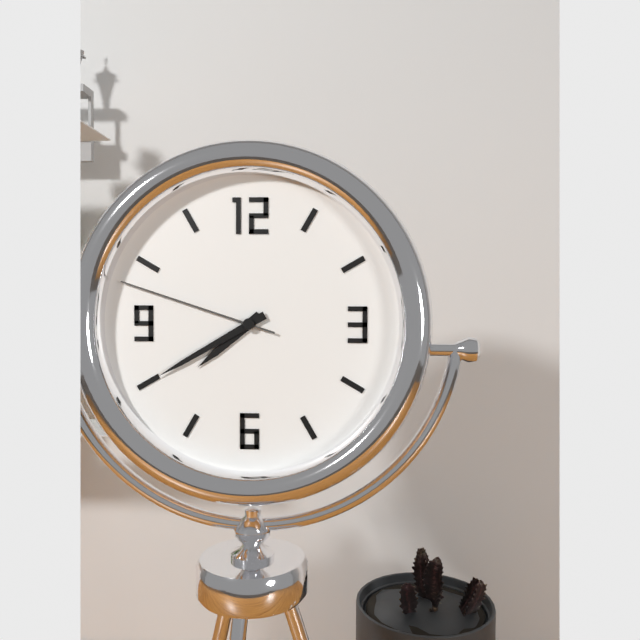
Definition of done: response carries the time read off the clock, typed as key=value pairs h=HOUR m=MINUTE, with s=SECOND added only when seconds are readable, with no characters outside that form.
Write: h=7 m=40 s=48
